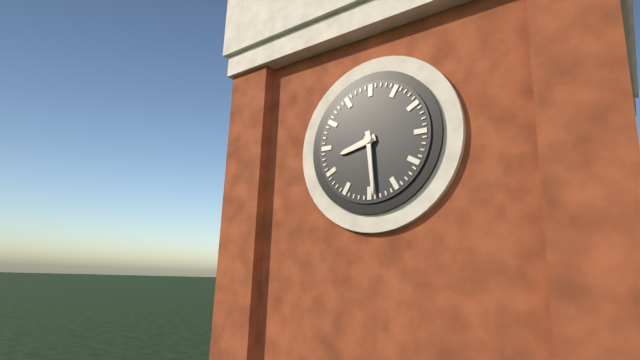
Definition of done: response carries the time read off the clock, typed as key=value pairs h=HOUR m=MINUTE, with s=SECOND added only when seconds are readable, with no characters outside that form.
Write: h=8 m=29
